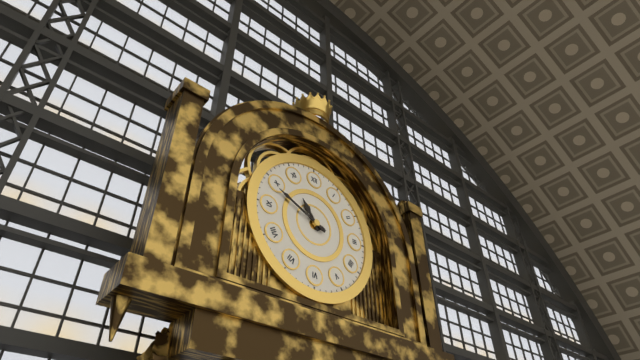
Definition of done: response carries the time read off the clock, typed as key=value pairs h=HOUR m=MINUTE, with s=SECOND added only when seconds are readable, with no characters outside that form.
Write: h=10 m=49
